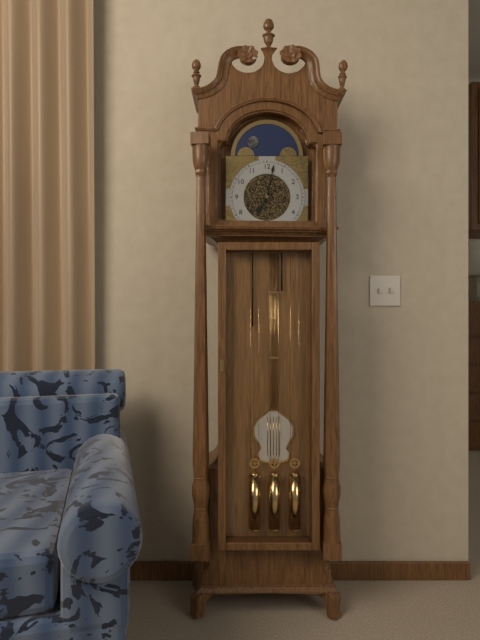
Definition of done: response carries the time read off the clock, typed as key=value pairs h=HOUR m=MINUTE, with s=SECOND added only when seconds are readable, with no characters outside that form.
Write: h=7 m=2
